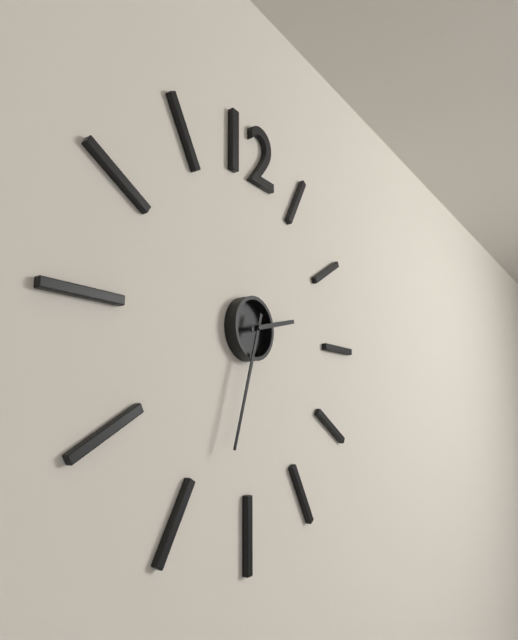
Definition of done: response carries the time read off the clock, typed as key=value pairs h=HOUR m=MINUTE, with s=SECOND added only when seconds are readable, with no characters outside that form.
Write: h=2 m=33
